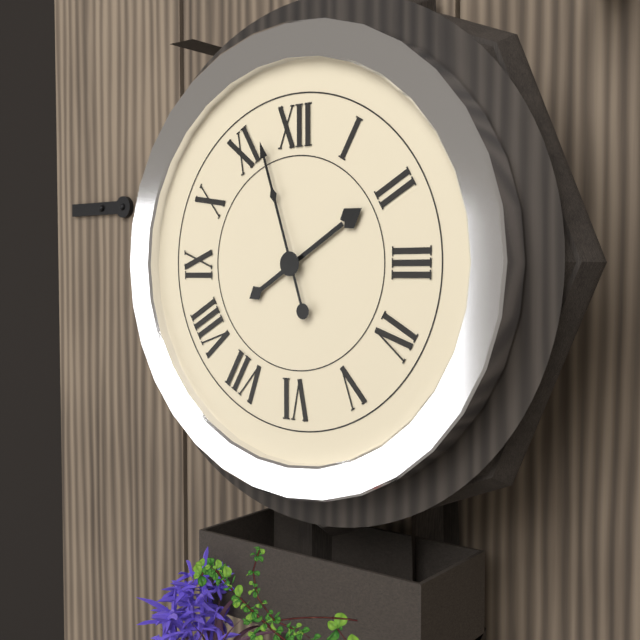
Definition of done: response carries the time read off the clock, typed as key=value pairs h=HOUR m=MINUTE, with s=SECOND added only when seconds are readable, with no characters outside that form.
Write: h=1 m=57
